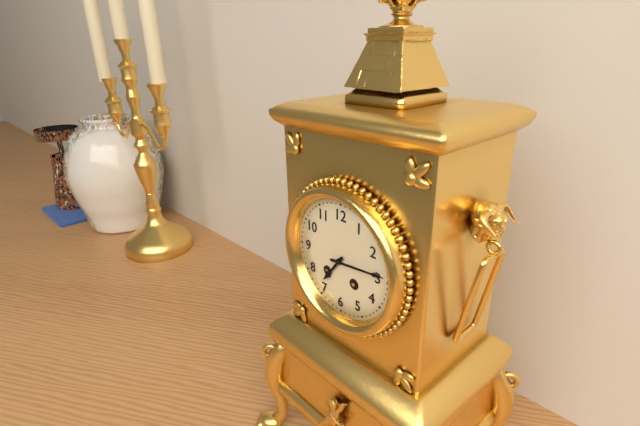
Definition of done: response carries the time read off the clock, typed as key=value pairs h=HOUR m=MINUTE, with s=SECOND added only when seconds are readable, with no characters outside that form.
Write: h=7 m=14
